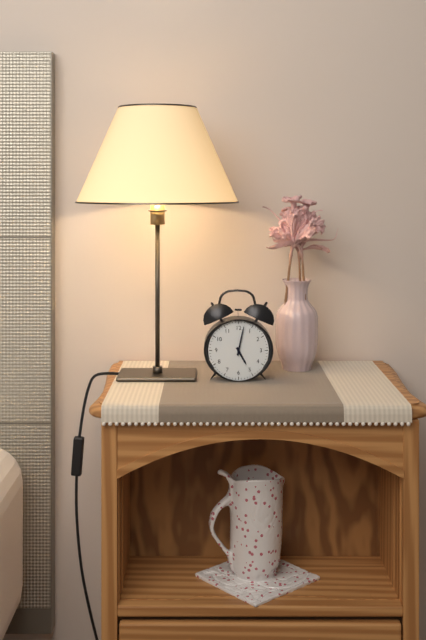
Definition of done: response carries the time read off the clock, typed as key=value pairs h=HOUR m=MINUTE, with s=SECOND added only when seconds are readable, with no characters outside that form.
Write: h=5 m=2
